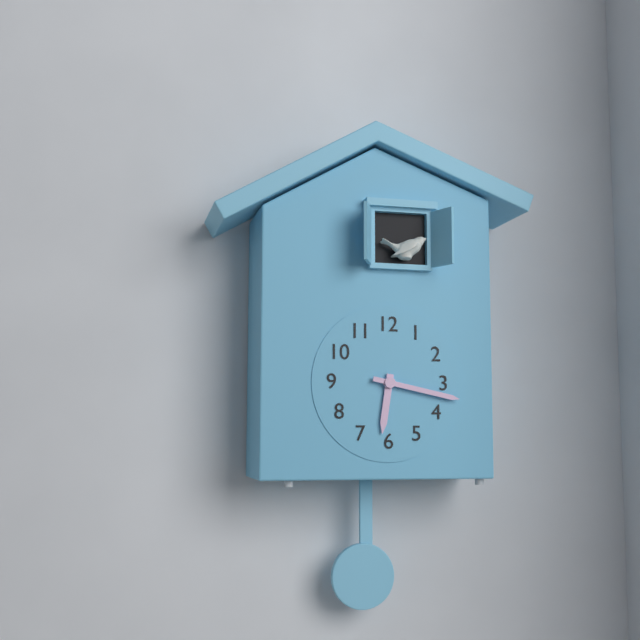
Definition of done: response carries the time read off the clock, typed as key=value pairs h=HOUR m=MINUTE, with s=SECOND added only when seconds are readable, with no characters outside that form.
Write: h=6 m=17
